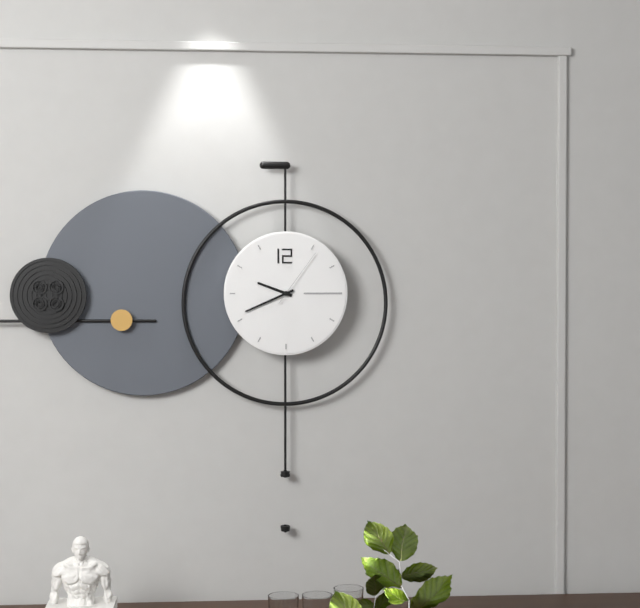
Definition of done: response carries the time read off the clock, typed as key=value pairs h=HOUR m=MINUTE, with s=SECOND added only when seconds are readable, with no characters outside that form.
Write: h=9 m=41 s=6
